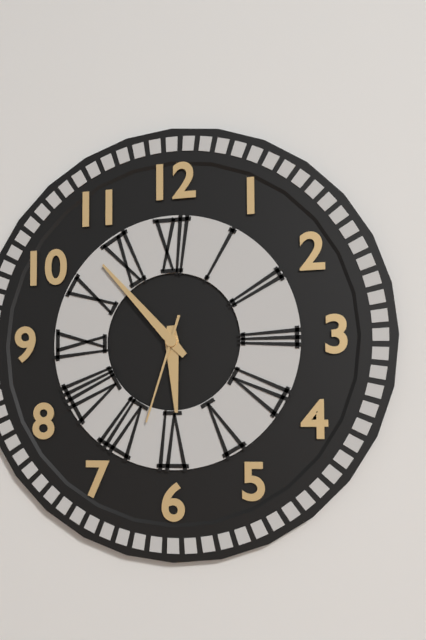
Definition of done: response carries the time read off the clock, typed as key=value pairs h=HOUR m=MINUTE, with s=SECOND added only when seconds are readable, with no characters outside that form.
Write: h=5 m=53 s=33
